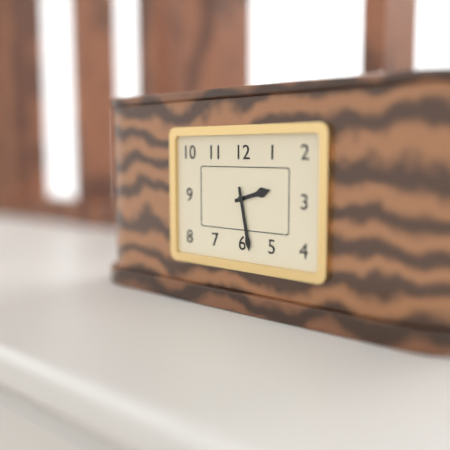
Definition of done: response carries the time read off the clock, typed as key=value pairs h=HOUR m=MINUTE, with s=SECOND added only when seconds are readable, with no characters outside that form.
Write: h=2 m=28
